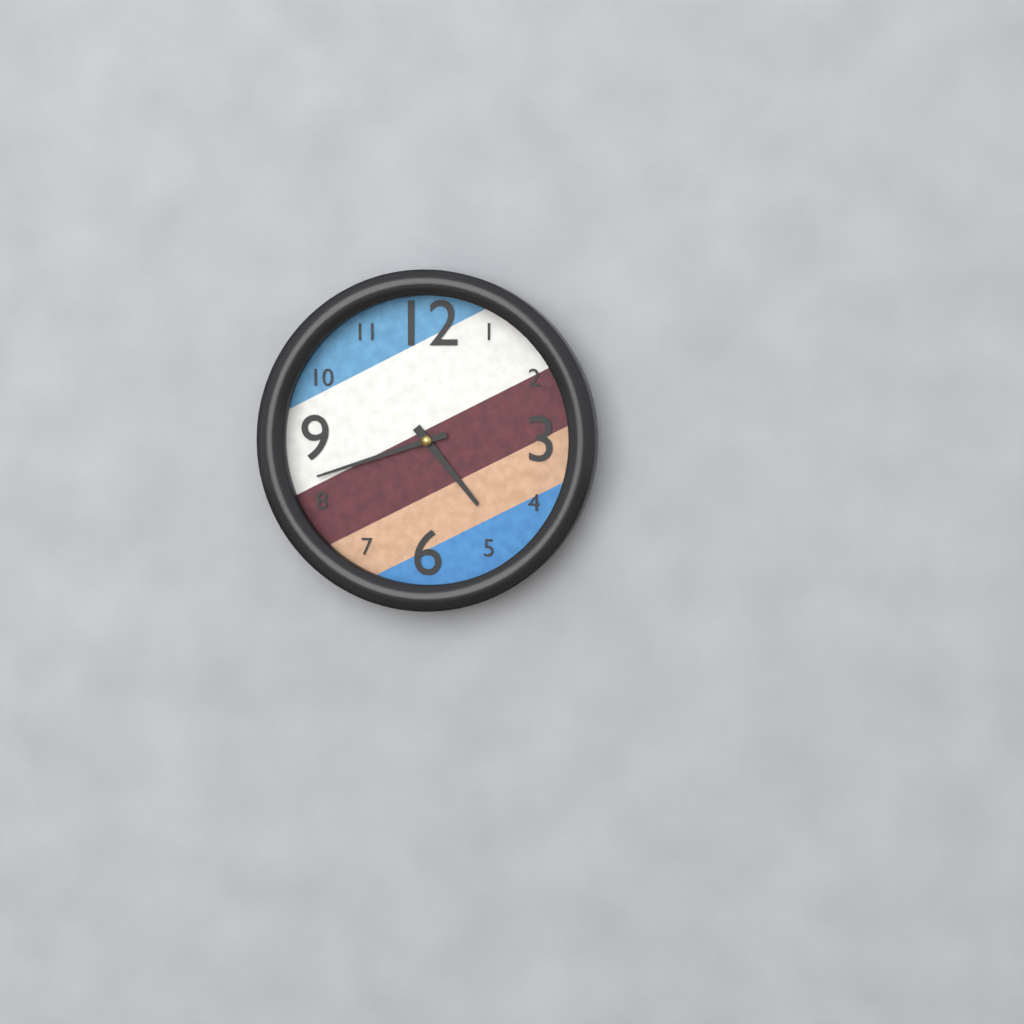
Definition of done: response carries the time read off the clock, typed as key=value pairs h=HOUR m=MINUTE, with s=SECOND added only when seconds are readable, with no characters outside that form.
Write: h=4 m=42
